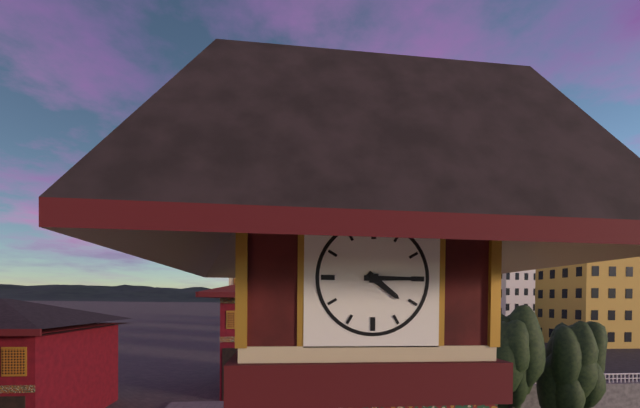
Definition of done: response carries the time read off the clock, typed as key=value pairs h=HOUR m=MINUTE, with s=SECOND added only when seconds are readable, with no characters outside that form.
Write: h=4 m=15
